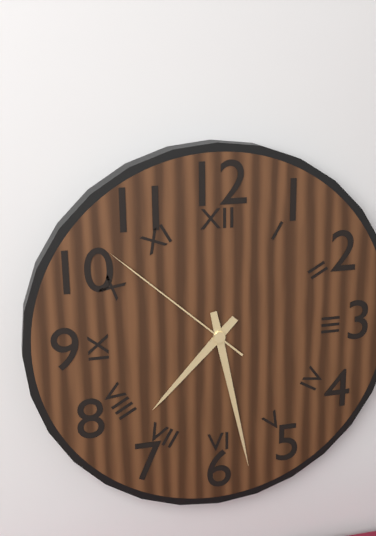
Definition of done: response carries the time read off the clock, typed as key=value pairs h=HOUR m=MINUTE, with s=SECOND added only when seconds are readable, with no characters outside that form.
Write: h=7 m=28 s=52
